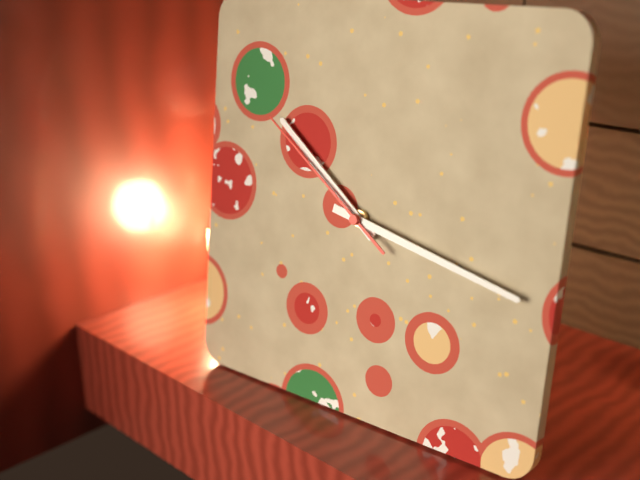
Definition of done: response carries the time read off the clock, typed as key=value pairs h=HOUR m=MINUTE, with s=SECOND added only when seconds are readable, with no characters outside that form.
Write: h=10 m=17 s=51
